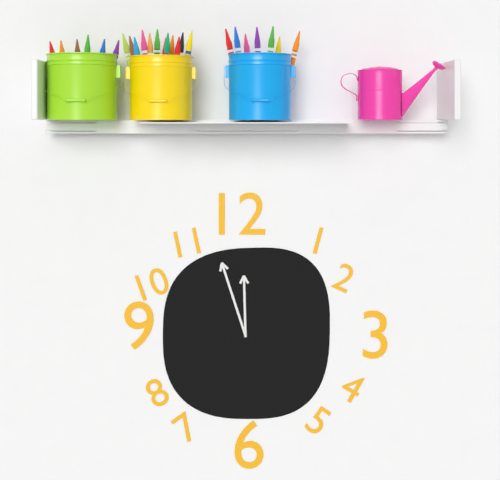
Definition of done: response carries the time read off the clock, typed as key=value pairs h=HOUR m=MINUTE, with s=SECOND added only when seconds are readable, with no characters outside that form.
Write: h=11 m=57
